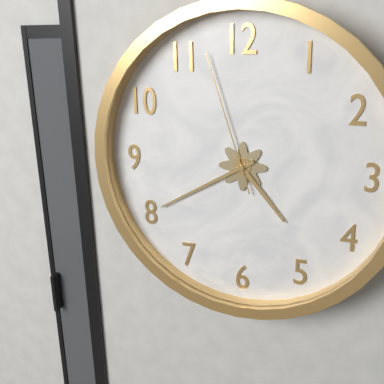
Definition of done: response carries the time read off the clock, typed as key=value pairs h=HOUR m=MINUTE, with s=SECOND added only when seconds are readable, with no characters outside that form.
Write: h=4 m=40 s=57
